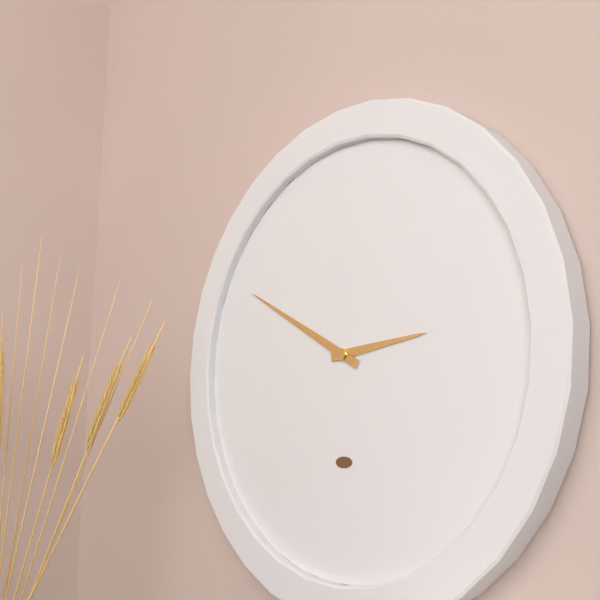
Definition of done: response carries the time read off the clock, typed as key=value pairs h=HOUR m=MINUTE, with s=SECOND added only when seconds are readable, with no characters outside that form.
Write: h=2 m=50
